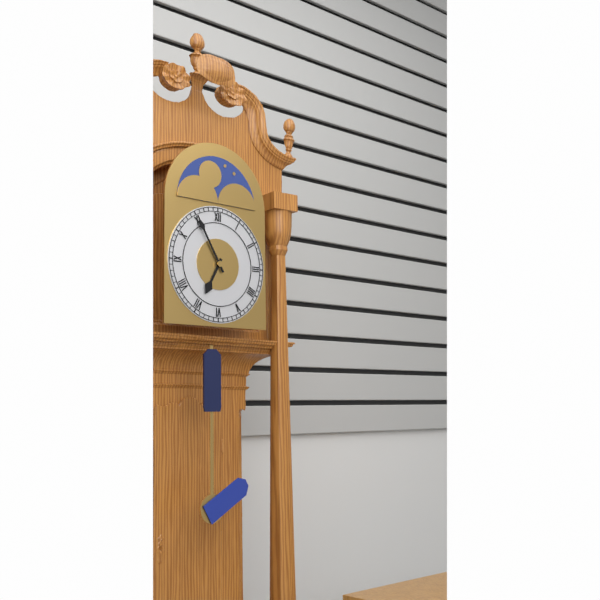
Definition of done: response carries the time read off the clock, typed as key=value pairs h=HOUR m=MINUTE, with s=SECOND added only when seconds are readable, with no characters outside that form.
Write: h=6 m=55
